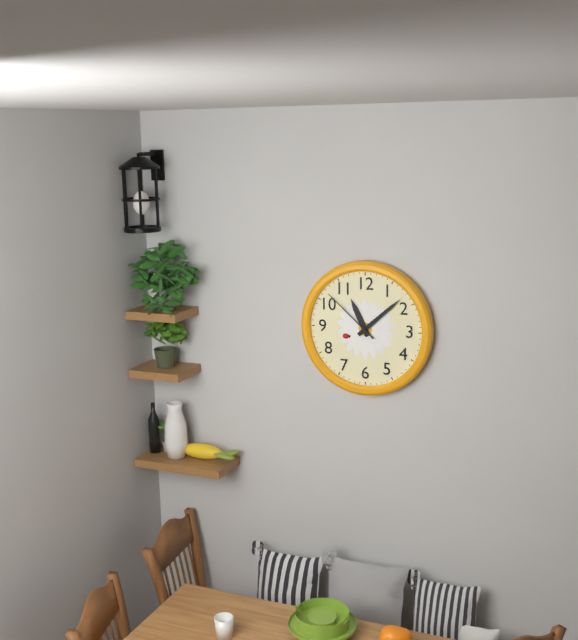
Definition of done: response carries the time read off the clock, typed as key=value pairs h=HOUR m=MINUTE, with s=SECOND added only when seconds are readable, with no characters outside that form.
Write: h=11 m=8 s=52
